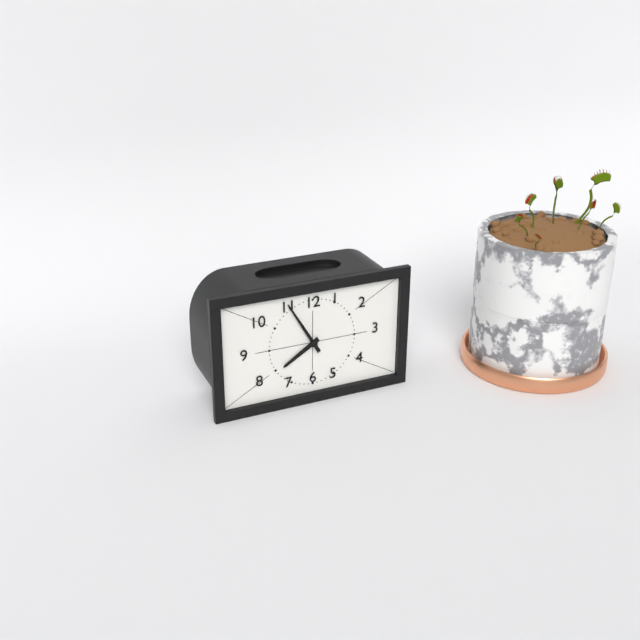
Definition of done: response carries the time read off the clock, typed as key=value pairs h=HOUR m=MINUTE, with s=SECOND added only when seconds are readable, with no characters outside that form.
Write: h=7 m=55
